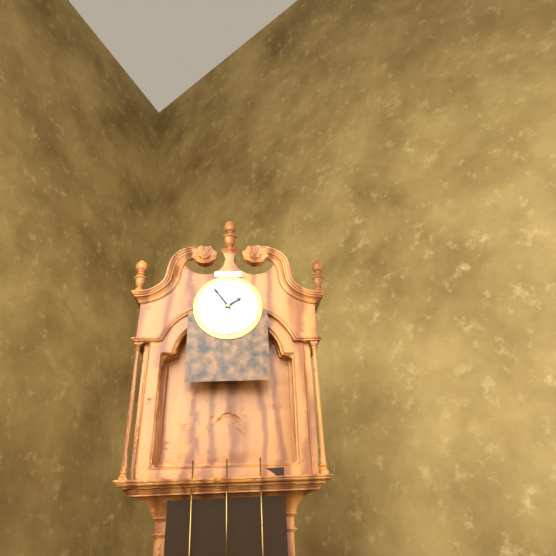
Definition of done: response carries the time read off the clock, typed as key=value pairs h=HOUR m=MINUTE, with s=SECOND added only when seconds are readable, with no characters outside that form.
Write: h=1 m=54
